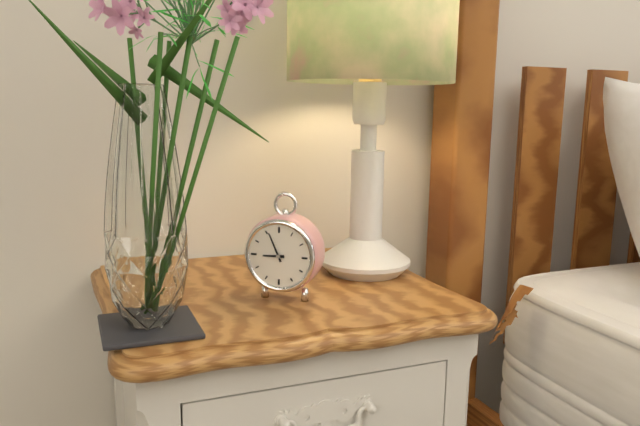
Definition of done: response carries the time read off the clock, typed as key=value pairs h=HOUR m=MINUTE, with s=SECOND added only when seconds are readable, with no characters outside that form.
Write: h=8 m=56
